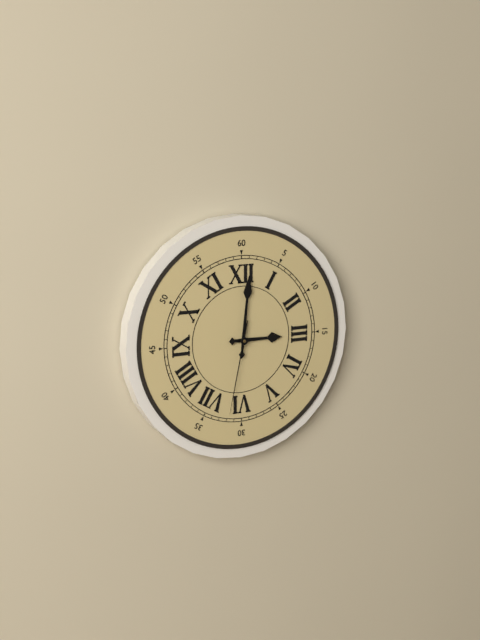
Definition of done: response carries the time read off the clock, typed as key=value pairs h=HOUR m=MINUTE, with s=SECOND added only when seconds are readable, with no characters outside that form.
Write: h=3 m=1 s=32
